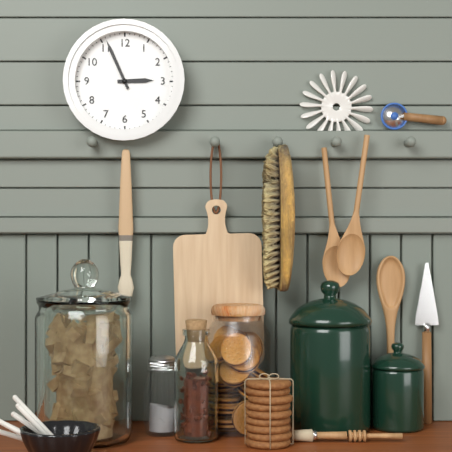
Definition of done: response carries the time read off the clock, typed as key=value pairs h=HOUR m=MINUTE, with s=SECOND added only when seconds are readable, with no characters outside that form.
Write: h=2 m=56
